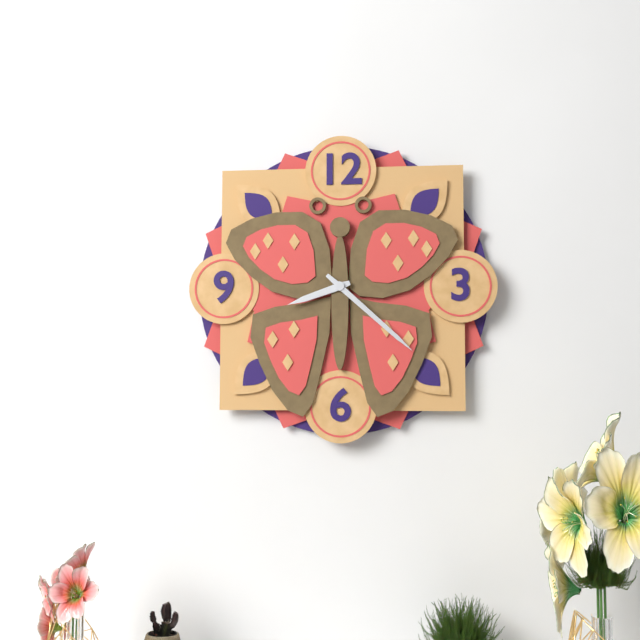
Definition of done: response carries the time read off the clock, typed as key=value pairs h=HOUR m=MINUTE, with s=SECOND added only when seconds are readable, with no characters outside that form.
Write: h=8 m=22
